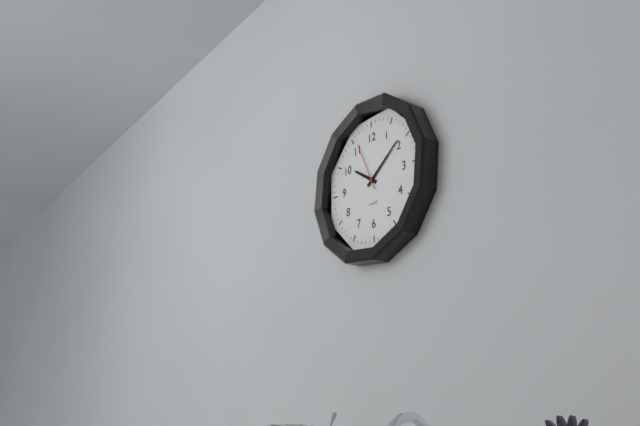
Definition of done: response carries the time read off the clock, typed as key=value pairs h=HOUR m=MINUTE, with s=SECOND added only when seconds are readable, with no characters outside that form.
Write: h=10 m=9
